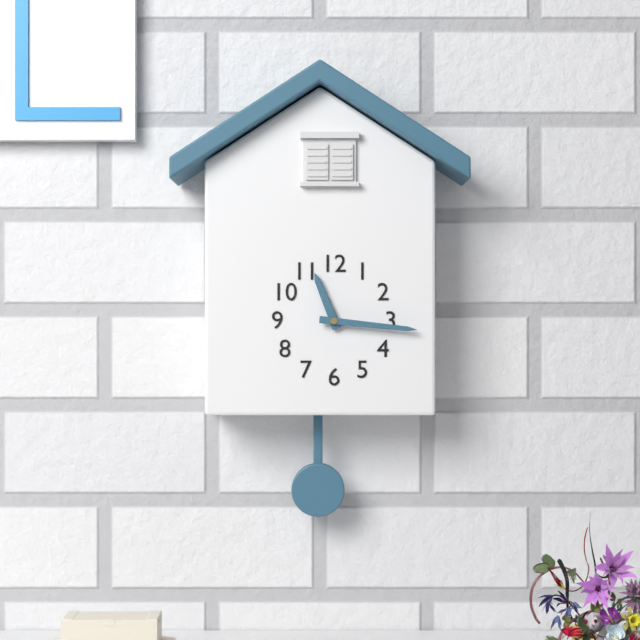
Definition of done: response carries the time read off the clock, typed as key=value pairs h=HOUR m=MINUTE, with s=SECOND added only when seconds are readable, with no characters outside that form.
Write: h=11 m=16
